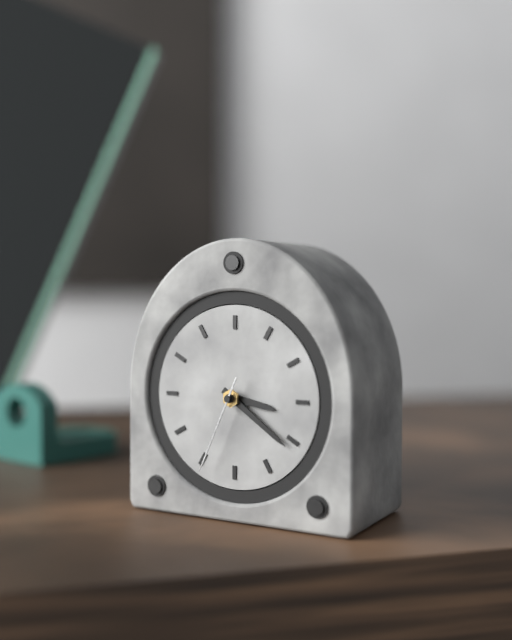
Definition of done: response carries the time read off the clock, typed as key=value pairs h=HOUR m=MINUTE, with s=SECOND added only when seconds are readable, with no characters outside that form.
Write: h=3 m=21 s=34
